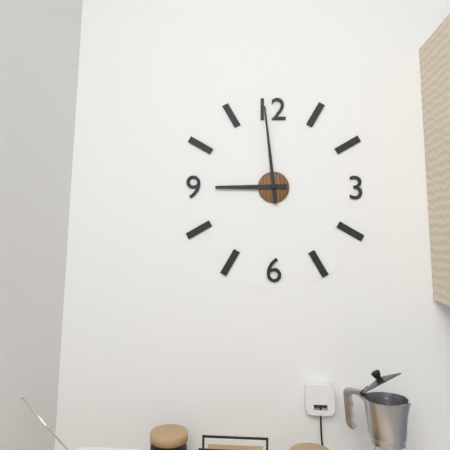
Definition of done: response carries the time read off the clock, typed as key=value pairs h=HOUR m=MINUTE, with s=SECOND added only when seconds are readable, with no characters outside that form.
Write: h=8 m=59
